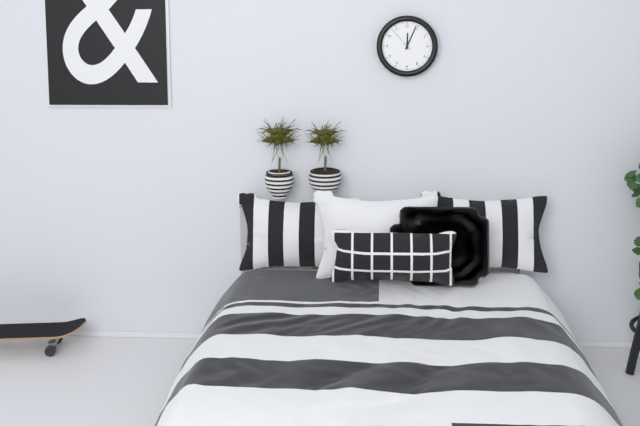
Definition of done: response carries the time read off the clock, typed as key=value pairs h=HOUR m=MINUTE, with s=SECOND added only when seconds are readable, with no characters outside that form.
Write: h=12 m=4
